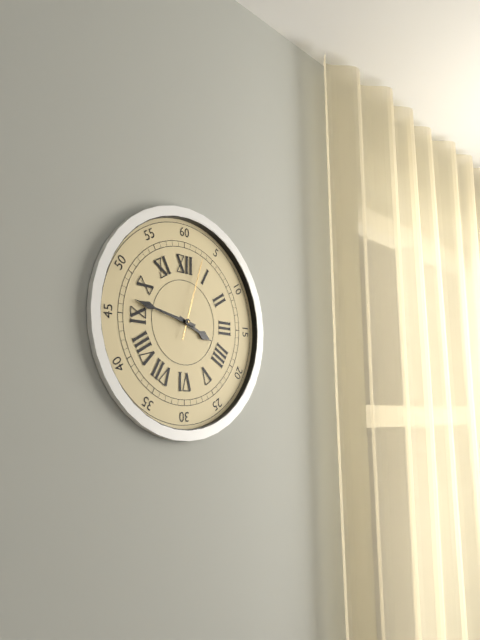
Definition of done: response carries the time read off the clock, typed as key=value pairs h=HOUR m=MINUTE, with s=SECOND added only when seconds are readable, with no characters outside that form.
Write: h=3 m=47 s=3
